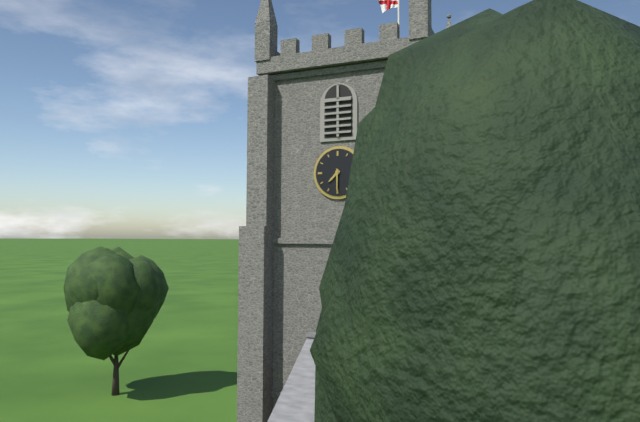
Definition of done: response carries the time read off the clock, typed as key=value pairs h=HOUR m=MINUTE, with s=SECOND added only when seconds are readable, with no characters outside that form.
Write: h=7 m=30
